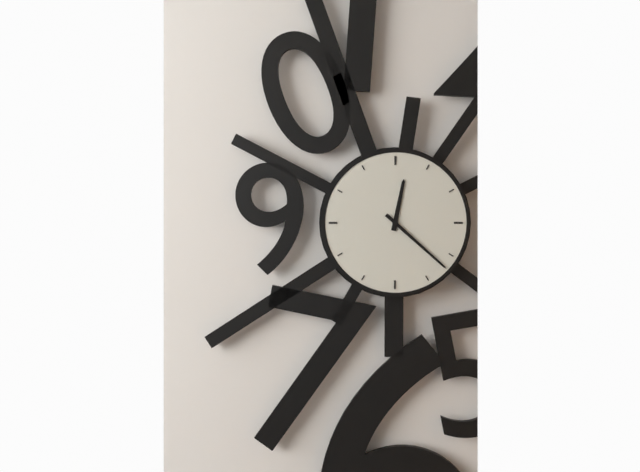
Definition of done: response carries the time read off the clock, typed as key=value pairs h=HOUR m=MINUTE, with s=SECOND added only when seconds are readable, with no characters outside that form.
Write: h=12 m=22
